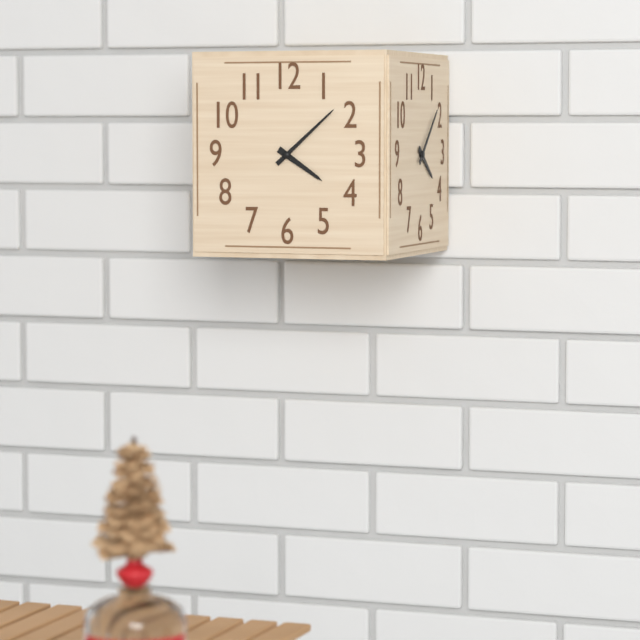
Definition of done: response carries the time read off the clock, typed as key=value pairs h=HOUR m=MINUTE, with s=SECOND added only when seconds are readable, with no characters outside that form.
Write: h=4 m=8
